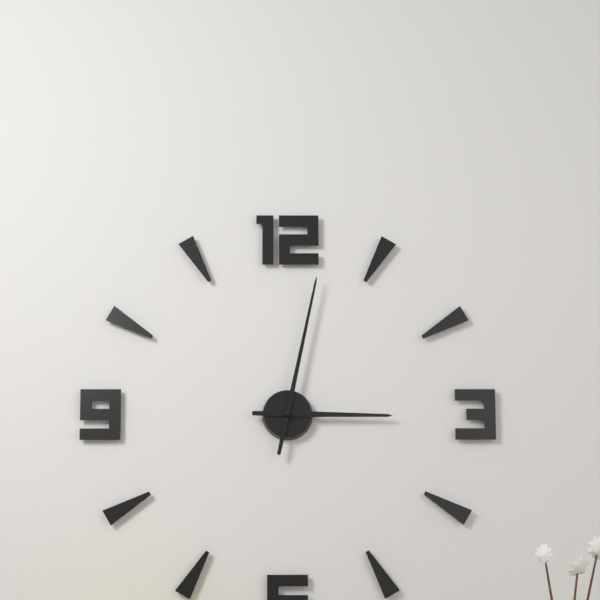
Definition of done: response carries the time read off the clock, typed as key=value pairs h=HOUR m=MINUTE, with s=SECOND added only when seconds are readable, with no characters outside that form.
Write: h=3 m=2
